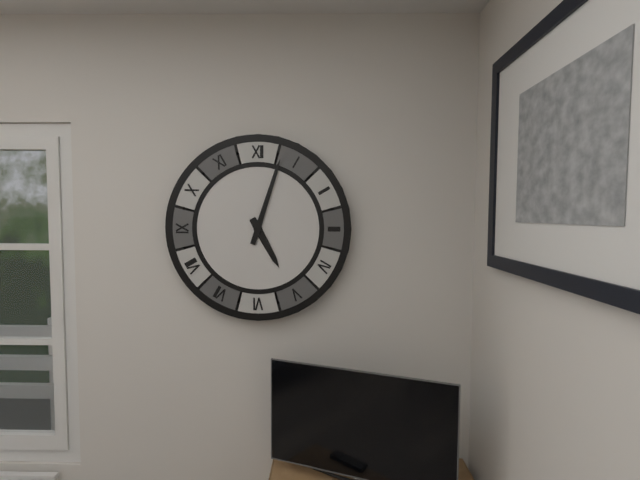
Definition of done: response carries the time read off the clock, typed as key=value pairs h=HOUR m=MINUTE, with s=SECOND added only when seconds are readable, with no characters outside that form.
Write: h=5 m=3
